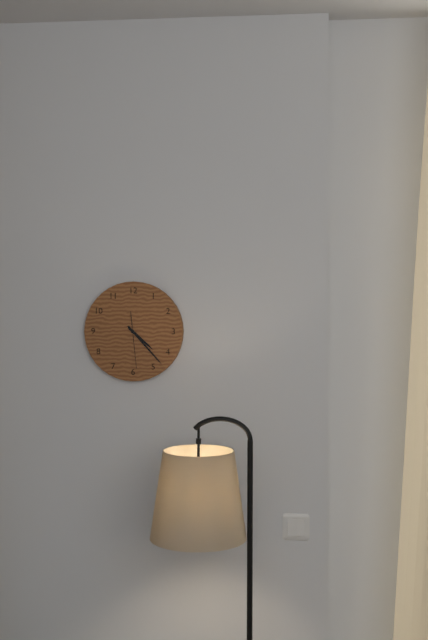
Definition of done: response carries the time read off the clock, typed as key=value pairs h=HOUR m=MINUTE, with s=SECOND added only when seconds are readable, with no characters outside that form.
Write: h=4 m=23
